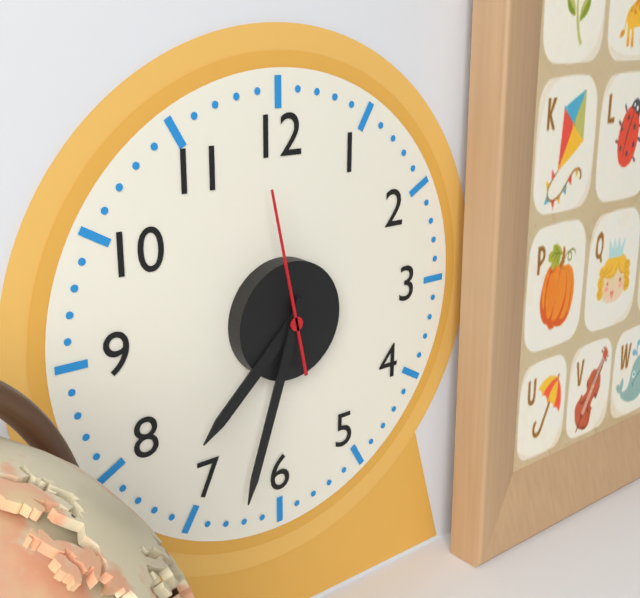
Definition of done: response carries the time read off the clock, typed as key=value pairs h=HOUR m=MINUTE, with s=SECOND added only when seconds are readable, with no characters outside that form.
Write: h=7 m=33 s=58
